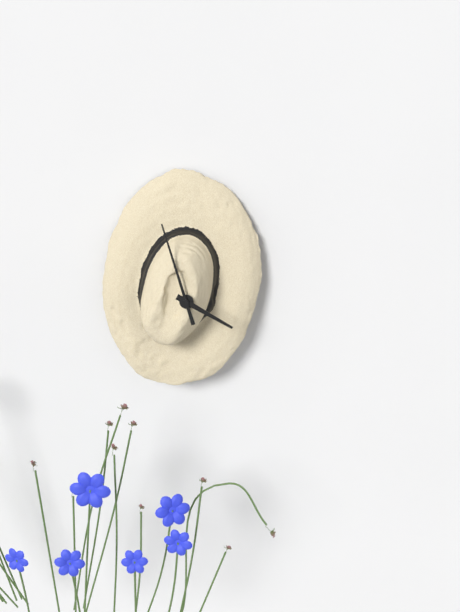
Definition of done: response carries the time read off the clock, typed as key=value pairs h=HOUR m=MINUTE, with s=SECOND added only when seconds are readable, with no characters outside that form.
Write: h=3 m=57
